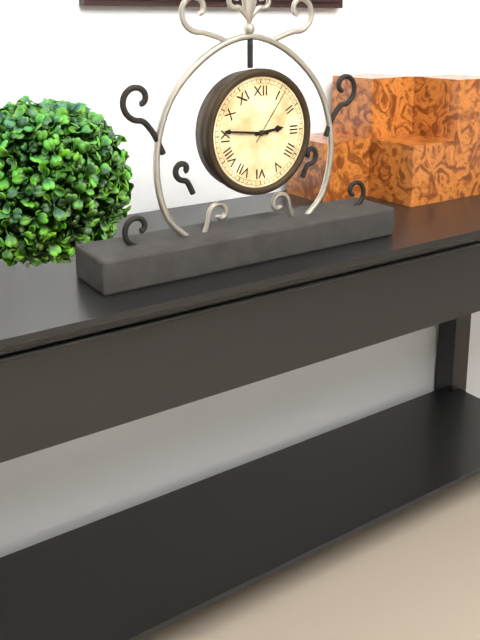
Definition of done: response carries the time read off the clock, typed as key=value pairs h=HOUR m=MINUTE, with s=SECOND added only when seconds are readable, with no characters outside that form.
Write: h=2 m=46 s=6
